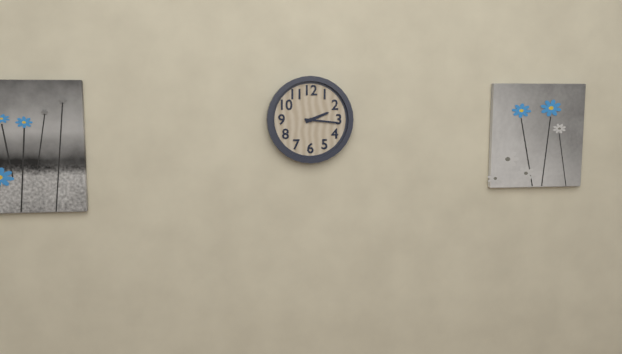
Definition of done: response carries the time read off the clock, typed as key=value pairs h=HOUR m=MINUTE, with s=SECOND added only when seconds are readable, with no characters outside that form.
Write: h=2 m=16
